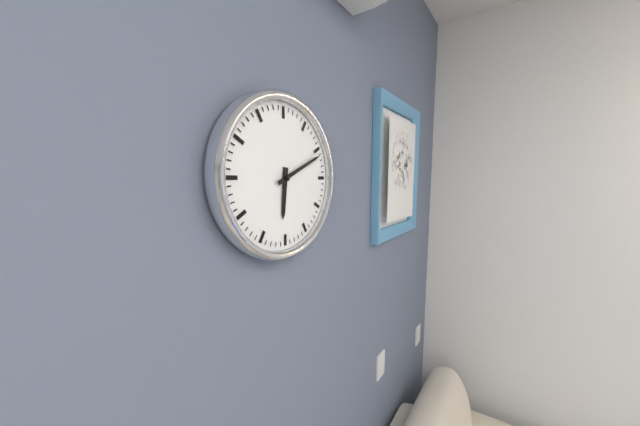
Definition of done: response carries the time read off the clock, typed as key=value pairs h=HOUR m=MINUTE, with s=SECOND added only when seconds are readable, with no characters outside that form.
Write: h=6 m=11
